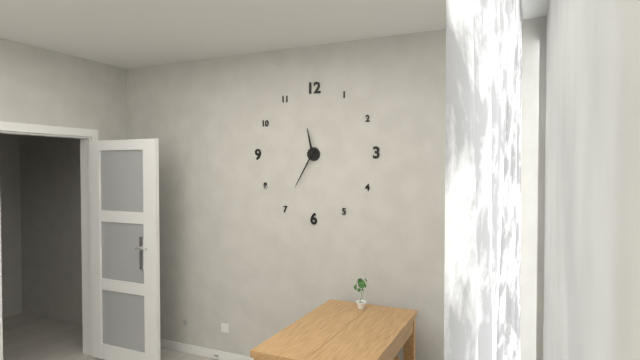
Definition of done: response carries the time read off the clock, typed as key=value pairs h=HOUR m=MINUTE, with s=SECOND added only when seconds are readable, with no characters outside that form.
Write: h=11 m=35
